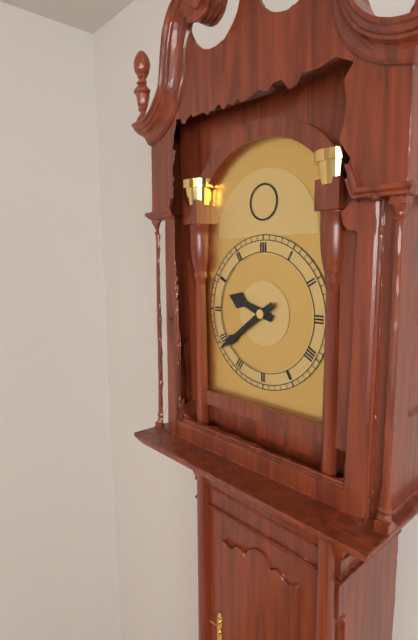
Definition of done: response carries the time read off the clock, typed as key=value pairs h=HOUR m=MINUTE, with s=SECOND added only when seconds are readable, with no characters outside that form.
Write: h=9 m=39
